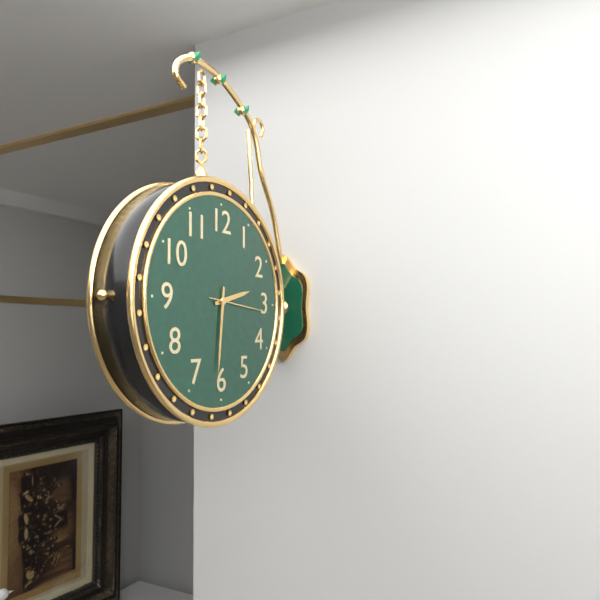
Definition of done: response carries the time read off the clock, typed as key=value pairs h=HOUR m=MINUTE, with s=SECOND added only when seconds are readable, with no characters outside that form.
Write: h=2 m=31 s=16
